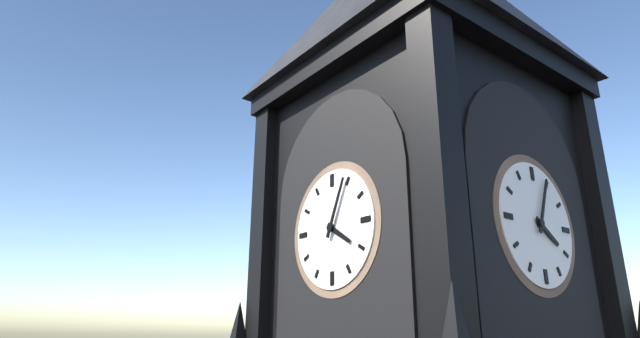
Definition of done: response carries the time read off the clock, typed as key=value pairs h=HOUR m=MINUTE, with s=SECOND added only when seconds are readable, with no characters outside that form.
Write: h=4 m=4
